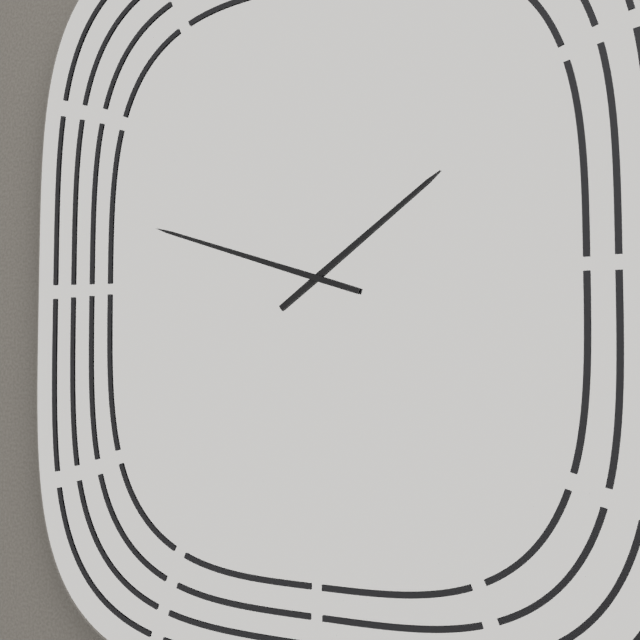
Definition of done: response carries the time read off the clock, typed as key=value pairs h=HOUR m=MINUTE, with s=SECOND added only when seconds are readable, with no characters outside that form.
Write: h=1 m=48
